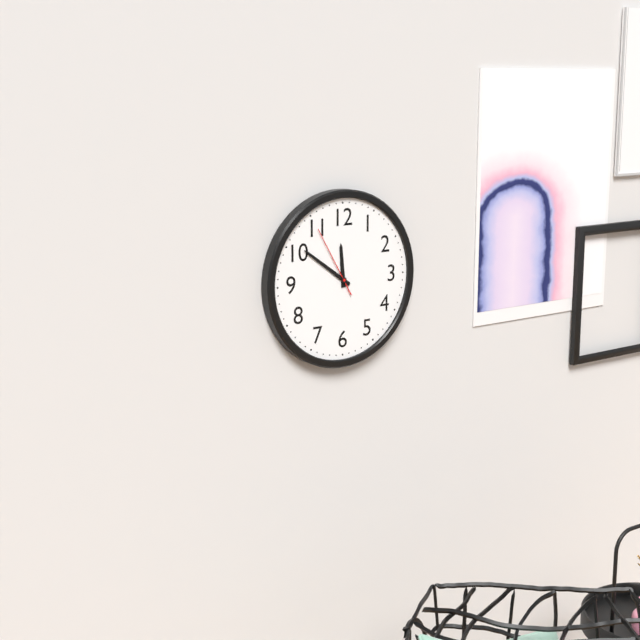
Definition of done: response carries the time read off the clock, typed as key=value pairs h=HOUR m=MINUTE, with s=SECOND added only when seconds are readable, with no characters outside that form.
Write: h=11 m=51 s=55
